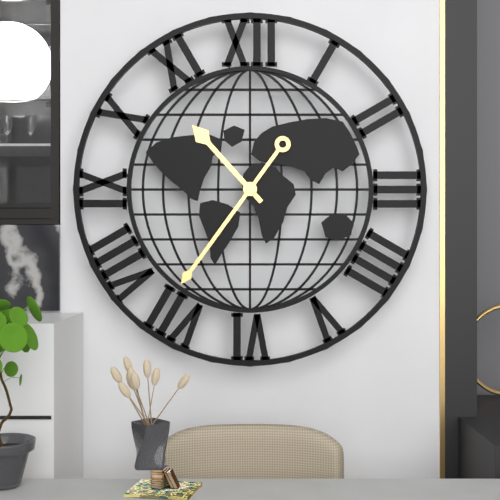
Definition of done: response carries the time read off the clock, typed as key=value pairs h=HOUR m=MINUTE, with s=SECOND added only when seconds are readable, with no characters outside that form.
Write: h=10 m=36
